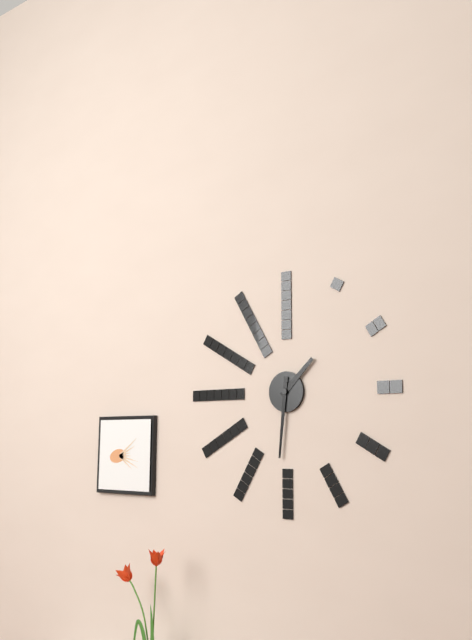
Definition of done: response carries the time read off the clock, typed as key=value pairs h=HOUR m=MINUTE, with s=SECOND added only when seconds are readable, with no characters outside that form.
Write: h=1 m=31
